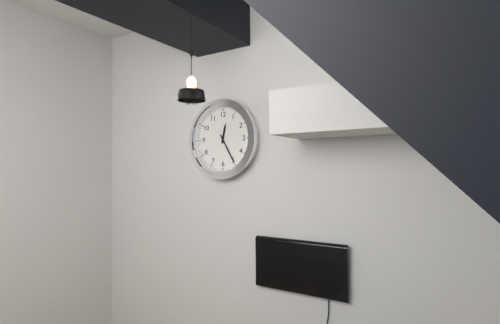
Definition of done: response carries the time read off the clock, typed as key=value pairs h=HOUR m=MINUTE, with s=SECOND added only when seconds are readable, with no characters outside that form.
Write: h=12 m=25
